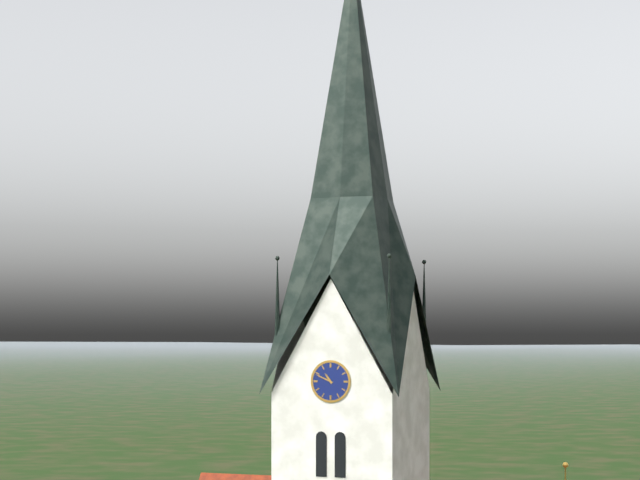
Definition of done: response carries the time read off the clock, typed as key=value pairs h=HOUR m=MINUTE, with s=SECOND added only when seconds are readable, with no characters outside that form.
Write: h=10 m=49
